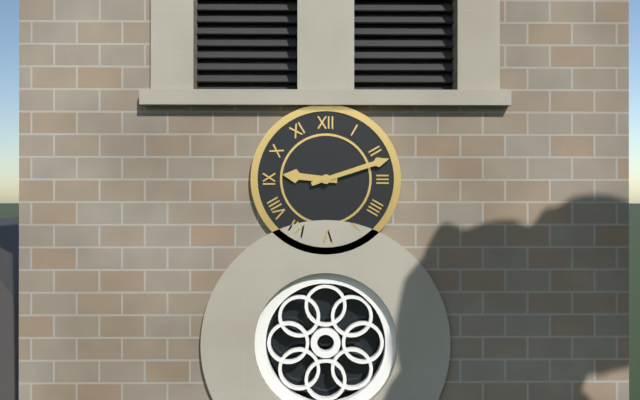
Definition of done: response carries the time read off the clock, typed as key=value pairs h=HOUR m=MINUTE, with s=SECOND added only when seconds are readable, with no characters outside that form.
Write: h=9 m=12
